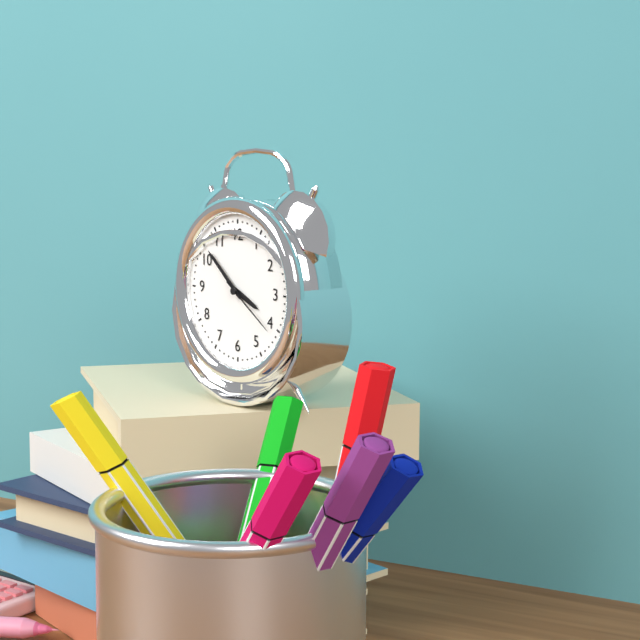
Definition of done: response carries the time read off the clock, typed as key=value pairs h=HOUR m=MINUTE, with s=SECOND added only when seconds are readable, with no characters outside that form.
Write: h=3 m=52 s=21
